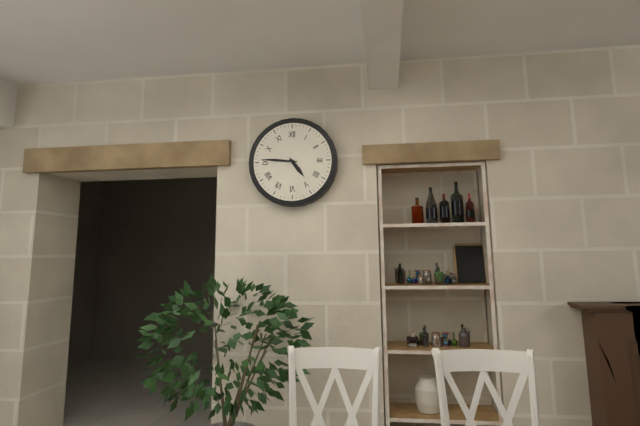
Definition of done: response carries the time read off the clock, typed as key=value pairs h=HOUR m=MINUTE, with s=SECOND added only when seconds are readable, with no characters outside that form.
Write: h=4 m=46
